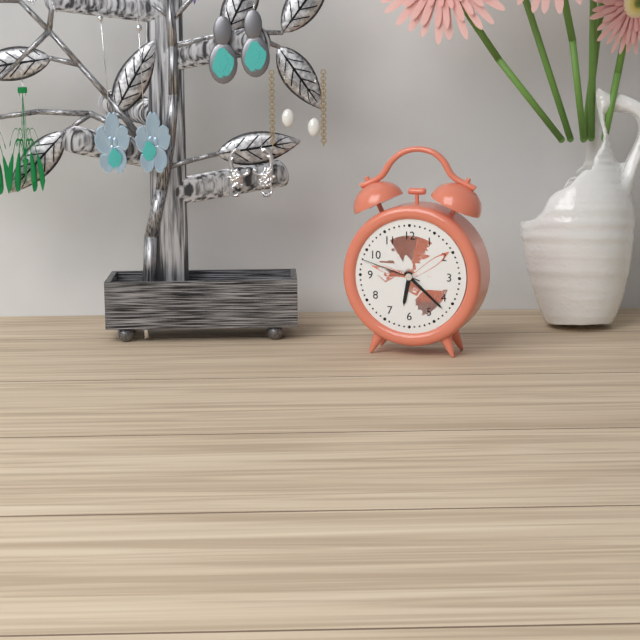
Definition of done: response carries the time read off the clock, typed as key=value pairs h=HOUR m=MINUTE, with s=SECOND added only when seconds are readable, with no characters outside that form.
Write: h=6 m=22 s=48
